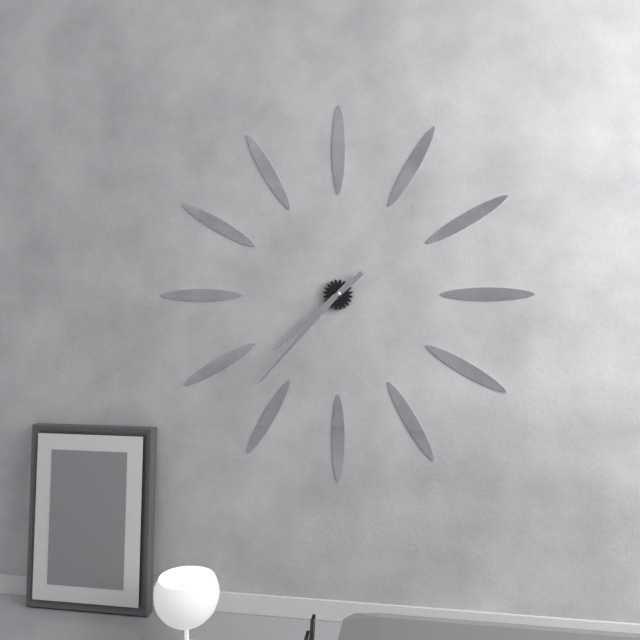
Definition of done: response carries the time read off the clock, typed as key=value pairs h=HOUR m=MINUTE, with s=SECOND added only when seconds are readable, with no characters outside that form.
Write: h=7 m=37
